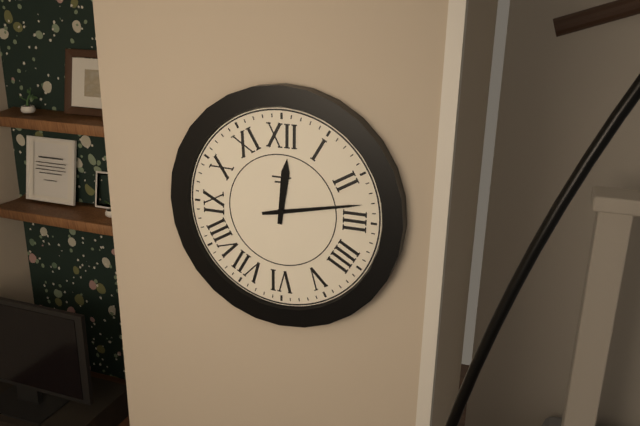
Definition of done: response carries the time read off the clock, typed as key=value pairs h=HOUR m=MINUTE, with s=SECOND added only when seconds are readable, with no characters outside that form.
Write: h=12 m=13
